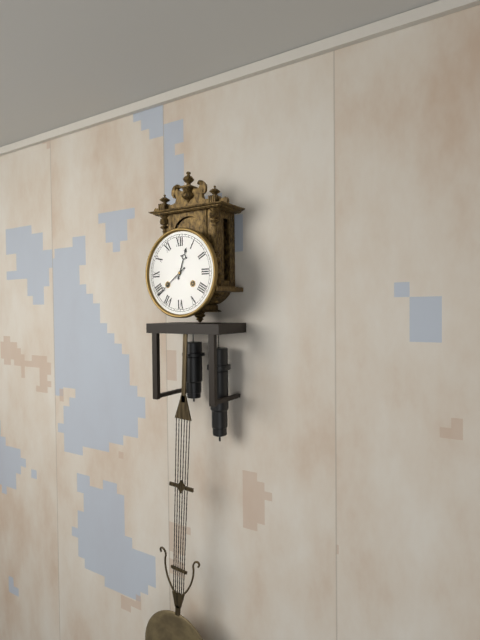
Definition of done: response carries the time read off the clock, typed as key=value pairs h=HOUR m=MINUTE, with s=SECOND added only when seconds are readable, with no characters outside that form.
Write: h=12 m=39
